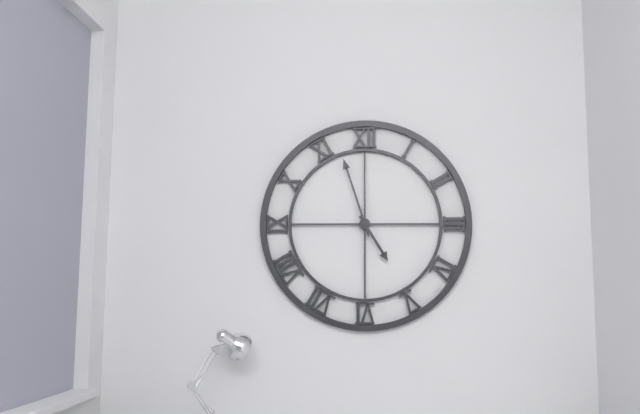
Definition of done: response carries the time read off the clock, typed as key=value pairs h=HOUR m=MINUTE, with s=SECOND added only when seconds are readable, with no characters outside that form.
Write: h=4 m=57
